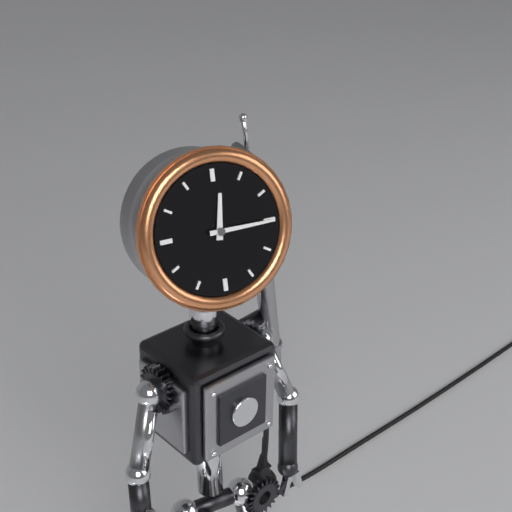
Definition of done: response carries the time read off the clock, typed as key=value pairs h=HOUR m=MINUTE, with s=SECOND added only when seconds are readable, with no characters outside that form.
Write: h=12 m=15
